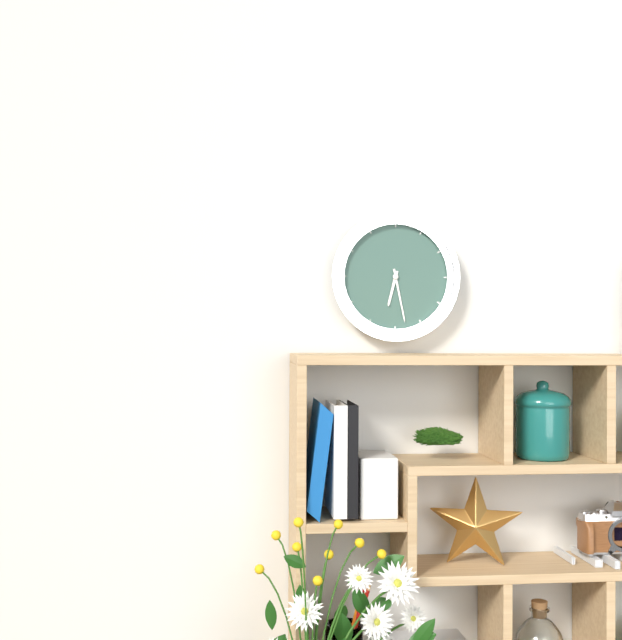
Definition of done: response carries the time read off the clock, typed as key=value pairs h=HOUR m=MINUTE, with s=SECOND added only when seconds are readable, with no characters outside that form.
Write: h=6 m=28
